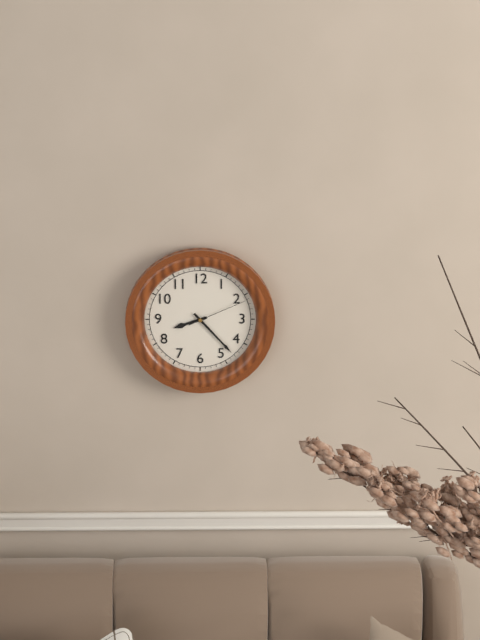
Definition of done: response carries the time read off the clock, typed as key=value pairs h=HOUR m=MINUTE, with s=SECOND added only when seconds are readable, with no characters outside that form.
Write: h=8 m=23 s=11
